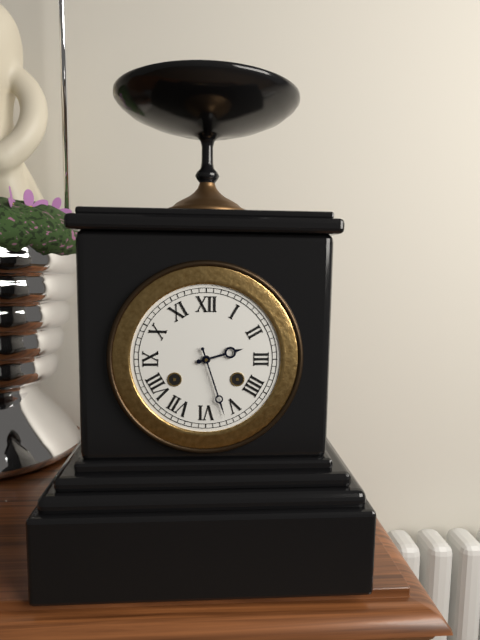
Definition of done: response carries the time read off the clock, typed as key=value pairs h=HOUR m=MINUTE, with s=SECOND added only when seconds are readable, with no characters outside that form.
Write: h=2 m=27
